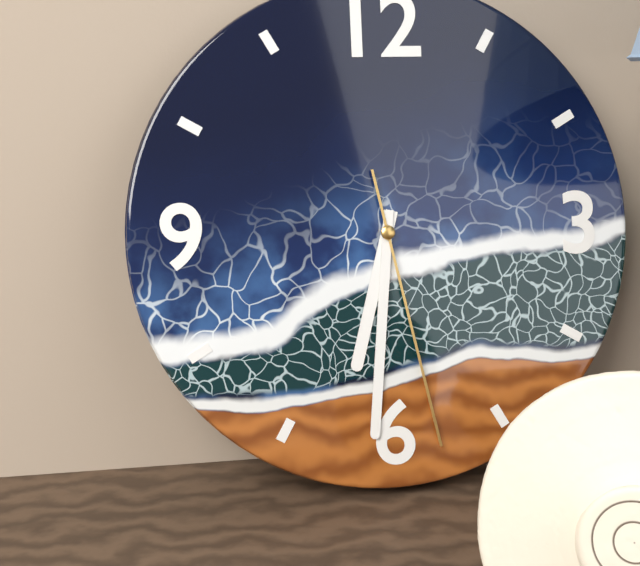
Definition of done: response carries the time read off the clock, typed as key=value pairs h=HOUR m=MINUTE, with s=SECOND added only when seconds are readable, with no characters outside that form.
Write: h=6 m=31 s=28
